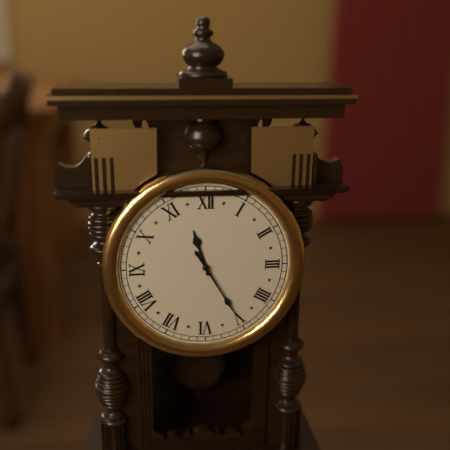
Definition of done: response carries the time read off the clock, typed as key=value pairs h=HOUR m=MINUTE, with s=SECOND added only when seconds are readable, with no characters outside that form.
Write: h=11 m=25
